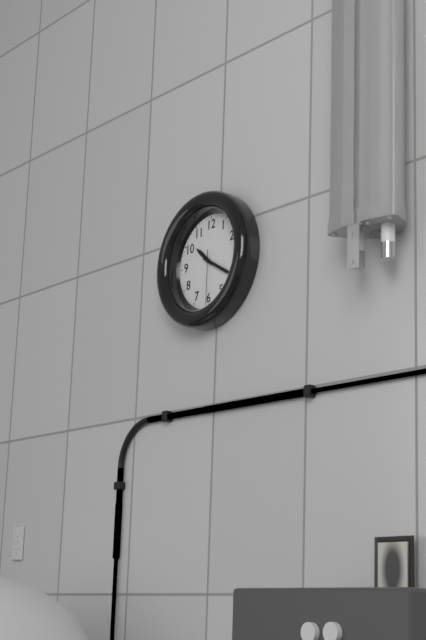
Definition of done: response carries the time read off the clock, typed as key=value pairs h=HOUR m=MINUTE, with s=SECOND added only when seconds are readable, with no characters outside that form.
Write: h=10 m=20 s=30
